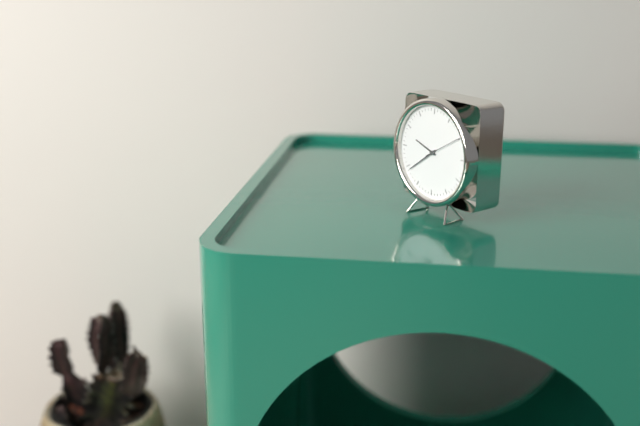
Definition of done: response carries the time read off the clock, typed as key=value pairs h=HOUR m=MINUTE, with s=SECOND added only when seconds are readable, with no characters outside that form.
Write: h=9 m=39
